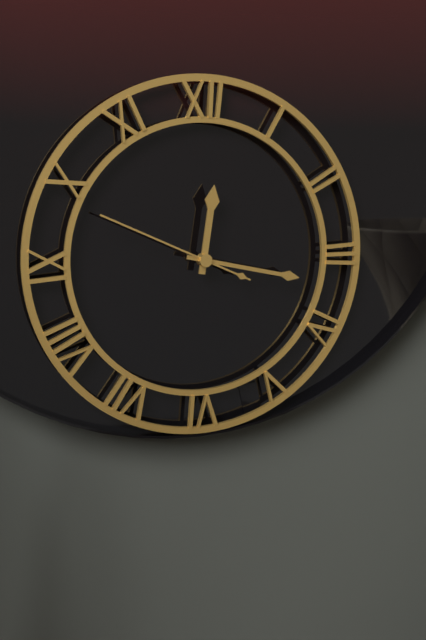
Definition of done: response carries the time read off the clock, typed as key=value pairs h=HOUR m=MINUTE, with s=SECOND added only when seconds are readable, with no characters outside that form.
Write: h=12 m=17 s=49
